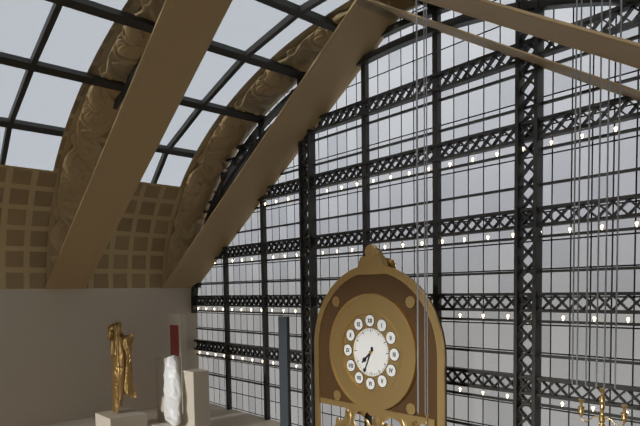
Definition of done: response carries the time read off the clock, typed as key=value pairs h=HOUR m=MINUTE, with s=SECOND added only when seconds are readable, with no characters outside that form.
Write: h=7 m=34
